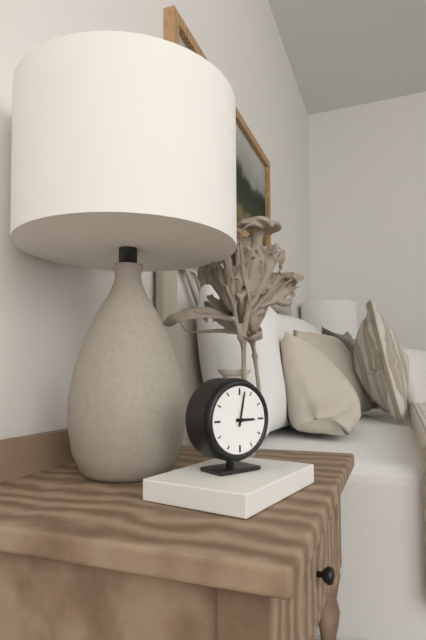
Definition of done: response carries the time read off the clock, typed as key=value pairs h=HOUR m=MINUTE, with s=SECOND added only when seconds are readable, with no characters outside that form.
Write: h=3 m=2
